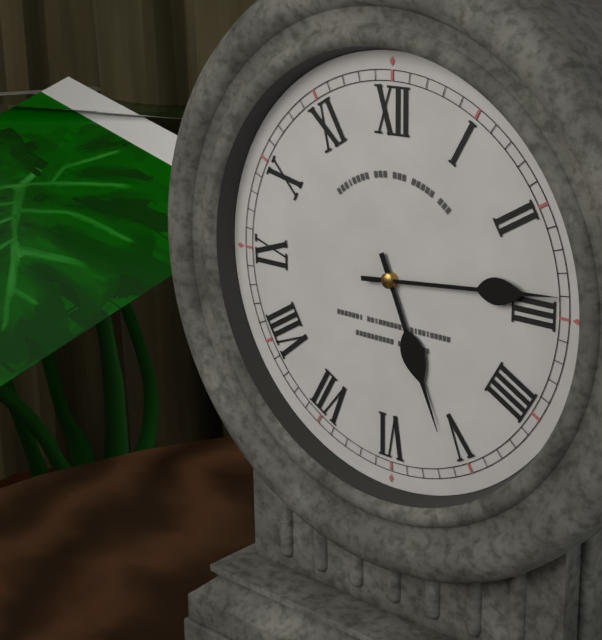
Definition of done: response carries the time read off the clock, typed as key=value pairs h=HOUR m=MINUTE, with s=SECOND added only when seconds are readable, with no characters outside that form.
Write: h=5 m=14
